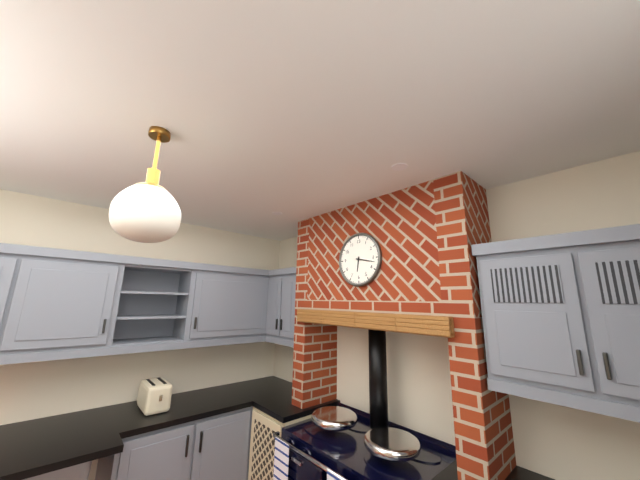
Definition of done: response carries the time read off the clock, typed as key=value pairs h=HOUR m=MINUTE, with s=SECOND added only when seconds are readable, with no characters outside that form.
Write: h=6 m=17
